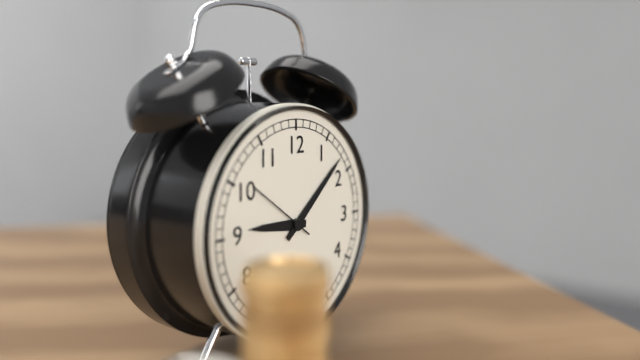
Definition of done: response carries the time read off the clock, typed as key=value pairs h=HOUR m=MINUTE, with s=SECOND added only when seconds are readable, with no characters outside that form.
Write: h=9 m=8 s=51
